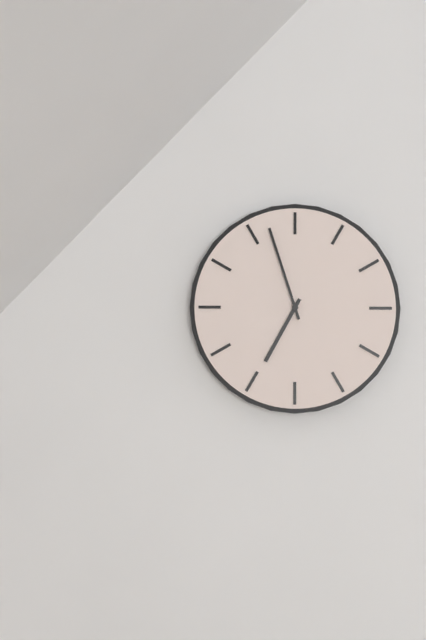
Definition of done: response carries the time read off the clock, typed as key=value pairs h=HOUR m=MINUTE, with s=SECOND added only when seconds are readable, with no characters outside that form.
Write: h=6 m=57
